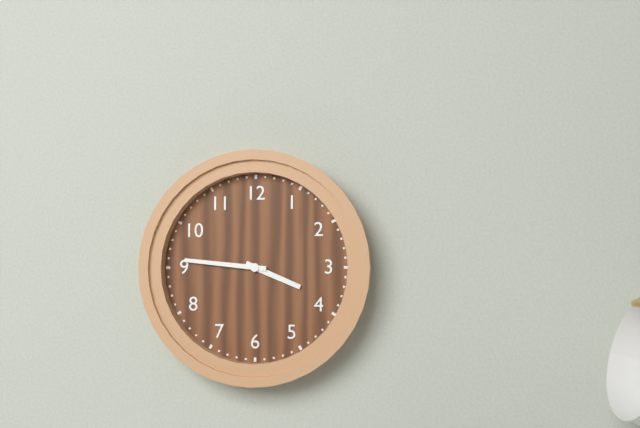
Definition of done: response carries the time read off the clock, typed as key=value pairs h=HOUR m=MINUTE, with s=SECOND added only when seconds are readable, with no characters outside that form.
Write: h=3 m=46
